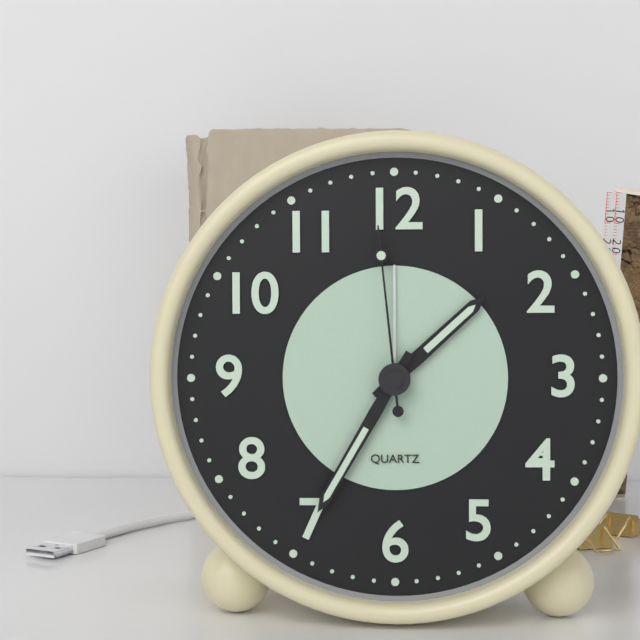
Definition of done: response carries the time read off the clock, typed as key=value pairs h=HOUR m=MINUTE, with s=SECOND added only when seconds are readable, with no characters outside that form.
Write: h=1 m=35 s=59
